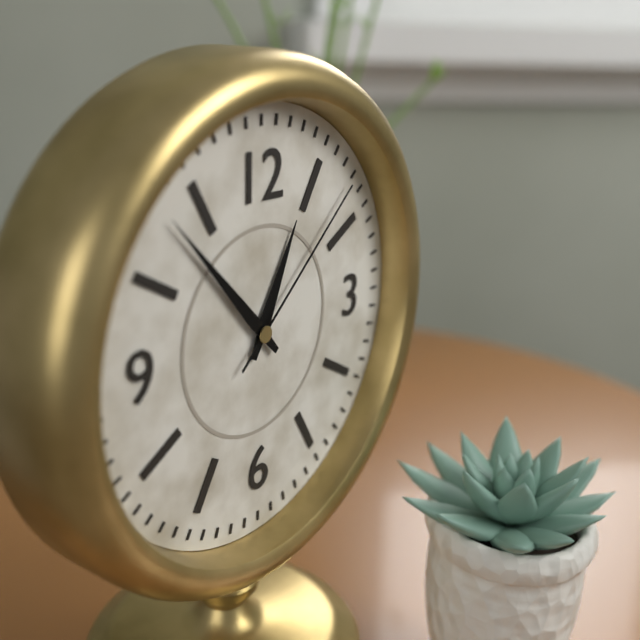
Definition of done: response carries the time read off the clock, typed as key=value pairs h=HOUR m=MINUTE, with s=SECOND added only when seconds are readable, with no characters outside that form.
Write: h=12 m=53 s=8
